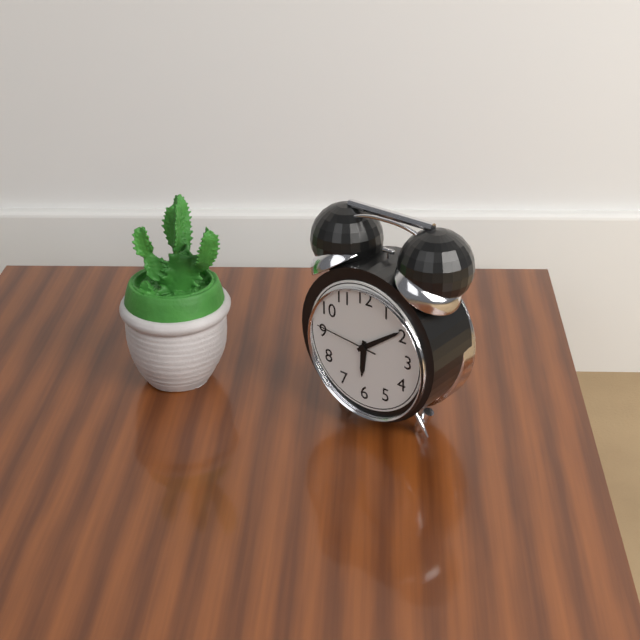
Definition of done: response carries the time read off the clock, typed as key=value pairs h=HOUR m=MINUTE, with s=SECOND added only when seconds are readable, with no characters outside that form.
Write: h=6 m=9 s=46
